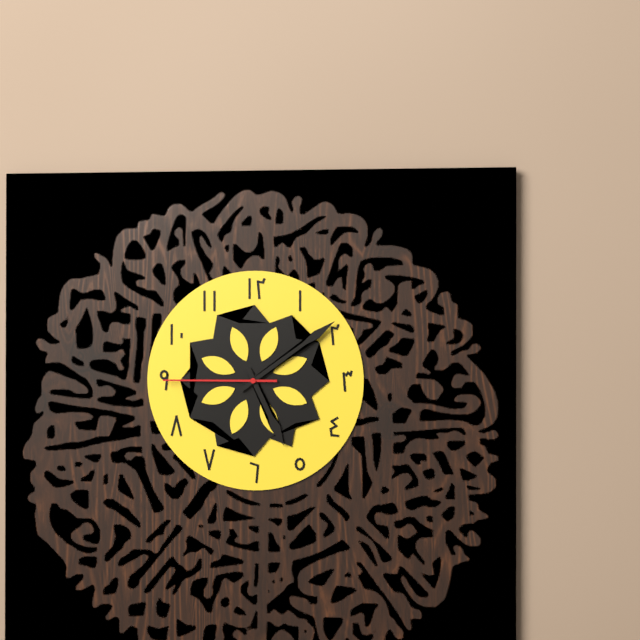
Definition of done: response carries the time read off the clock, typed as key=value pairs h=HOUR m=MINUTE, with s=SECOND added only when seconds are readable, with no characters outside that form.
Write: h=5 m=9 s=45
